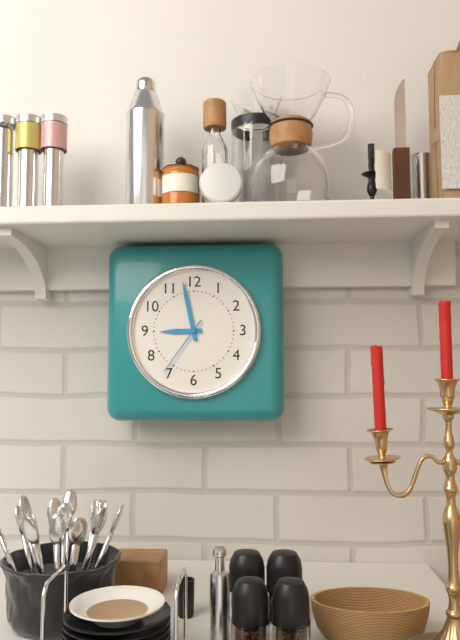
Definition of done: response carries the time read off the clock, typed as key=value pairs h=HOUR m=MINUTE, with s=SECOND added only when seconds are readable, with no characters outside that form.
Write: h=8 m=58 s=36
